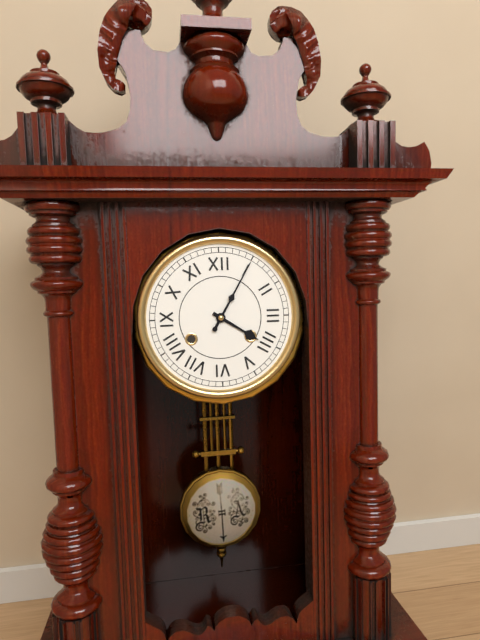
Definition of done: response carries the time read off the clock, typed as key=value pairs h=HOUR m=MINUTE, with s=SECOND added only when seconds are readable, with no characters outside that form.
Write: h=4 m=5
